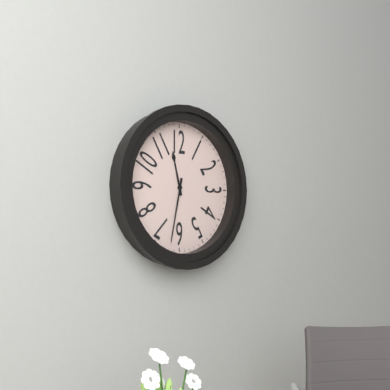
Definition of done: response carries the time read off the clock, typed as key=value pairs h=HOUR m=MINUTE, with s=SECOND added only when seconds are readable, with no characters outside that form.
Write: h=11 m=32
